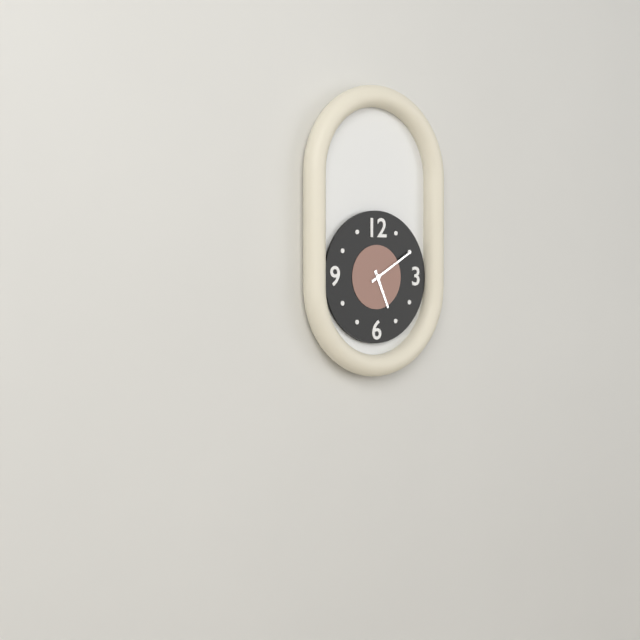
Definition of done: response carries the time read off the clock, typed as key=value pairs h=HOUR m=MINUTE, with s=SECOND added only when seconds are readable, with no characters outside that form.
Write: h=5 m=10
